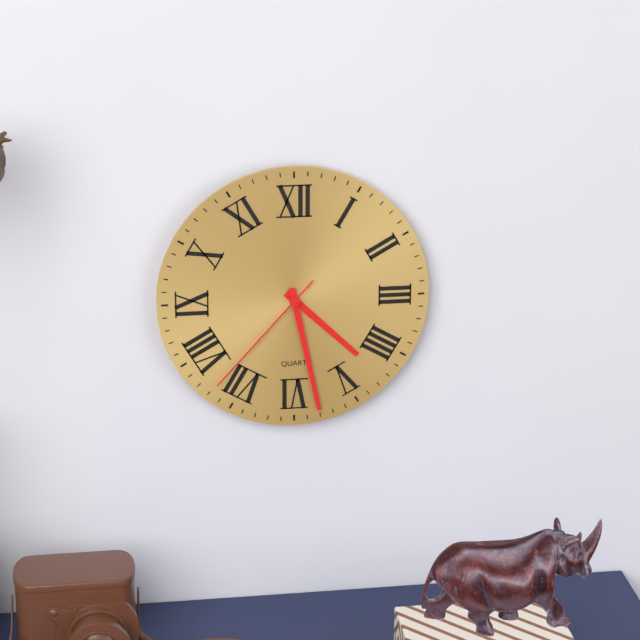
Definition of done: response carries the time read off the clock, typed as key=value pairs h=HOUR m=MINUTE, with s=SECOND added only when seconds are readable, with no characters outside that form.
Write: h=4 m=28 s=37
